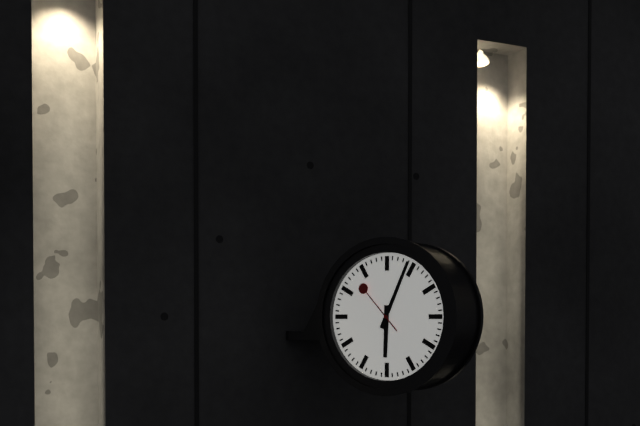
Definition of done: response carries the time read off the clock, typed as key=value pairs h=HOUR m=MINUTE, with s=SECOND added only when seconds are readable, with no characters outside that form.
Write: h=6 m=4 s=53
